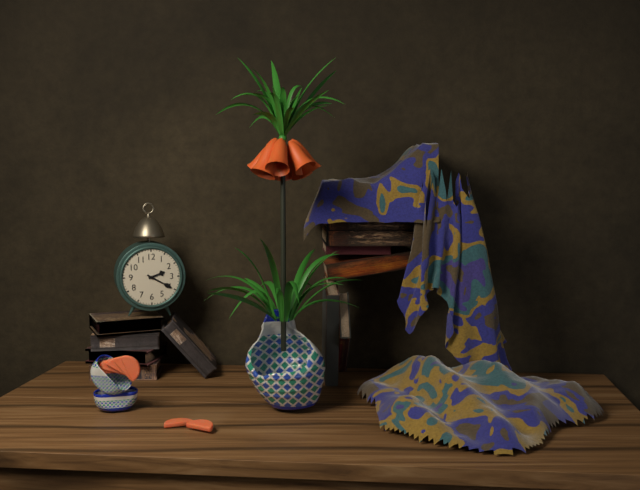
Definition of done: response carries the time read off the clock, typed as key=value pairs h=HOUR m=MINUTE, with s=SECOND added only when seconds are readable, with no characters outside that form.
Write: h=2 m=20
